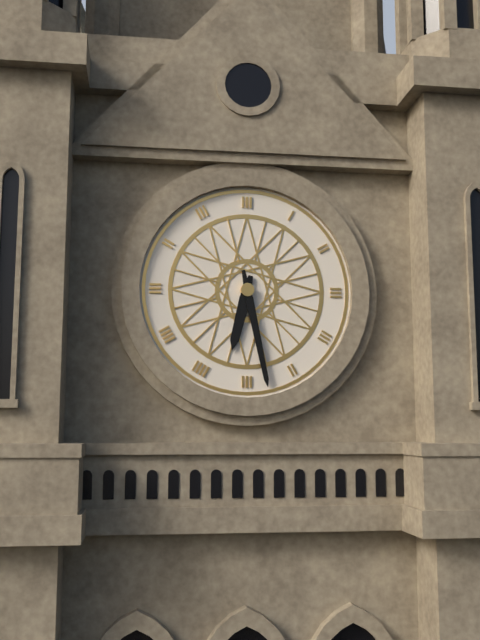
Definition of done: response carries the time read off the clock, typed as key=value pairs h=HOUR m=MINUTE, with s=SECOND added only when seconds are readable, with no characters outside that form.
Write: h=6 m=28
